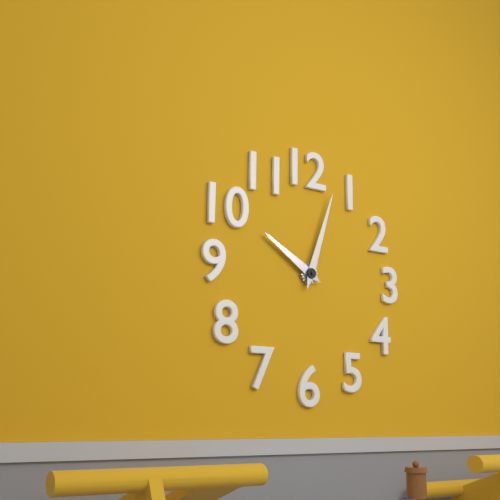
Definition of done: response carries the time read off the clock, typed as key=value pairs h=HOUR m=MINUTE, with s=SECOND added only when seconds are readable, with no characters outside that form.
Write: h=10 m=3
